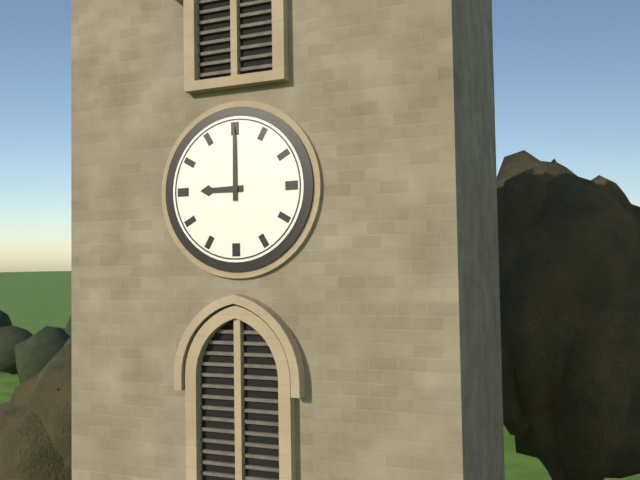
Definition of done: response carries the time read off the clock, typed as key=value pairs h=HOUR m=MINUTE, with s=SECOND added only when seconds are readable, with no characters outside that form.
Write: h=9 m=0
